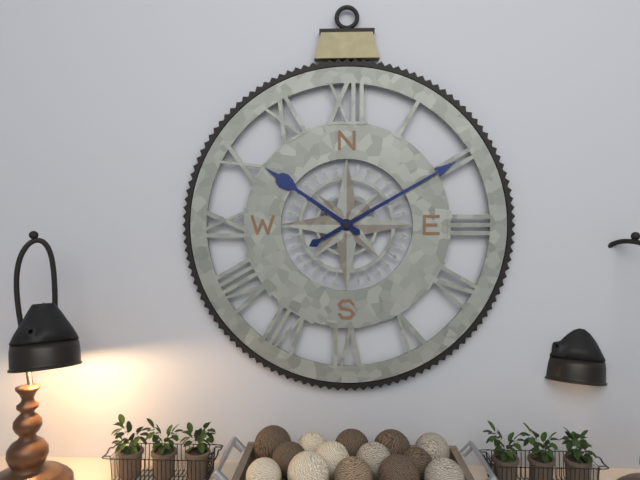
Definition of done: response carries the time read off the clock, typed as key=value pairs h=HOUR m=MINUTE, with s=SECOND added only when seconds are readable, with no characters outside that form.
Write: h=10 m=10
